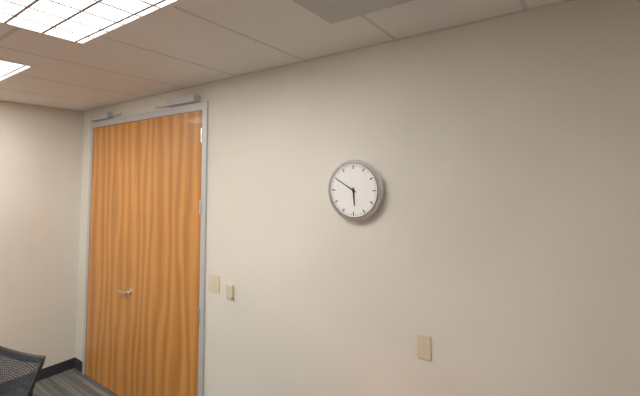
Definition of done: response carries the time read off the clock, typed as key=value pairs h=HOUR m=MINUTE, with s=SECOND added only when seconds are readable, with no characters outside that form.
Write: h=5 m=50
